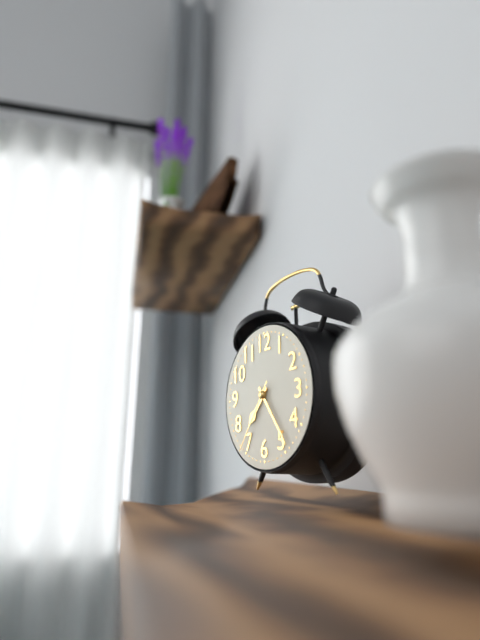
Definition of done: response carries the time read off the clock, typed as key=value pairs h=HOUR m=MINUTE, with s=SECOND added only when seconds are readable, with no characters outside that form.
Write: h=7 m=24 s=36
